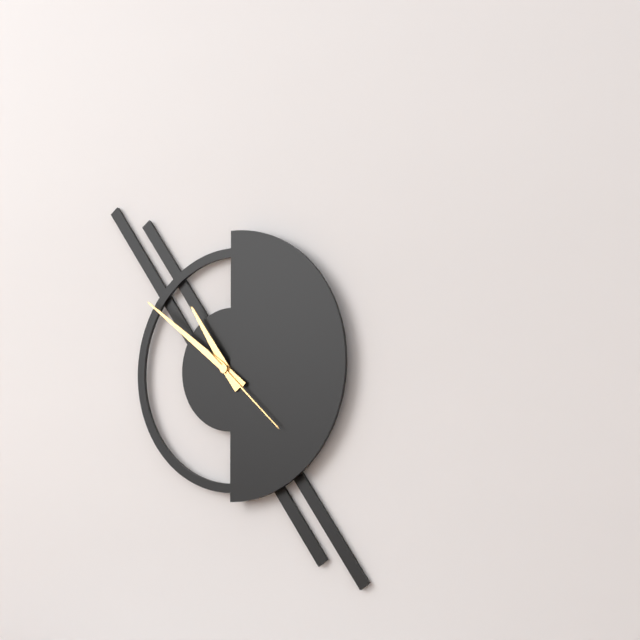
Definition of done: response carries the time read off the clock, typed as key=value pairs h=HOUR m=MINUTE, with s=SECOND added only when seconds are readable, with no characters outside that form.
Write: h=10 m=51 s=22
